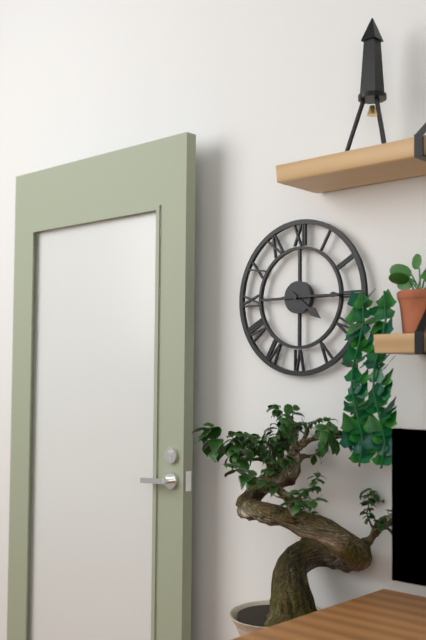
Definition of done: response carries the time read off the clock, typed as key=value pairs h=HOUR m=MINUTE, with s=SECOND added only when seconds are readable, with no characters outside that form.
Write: h=4 m=15
